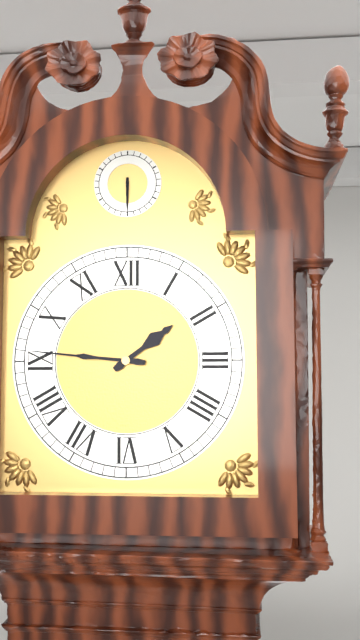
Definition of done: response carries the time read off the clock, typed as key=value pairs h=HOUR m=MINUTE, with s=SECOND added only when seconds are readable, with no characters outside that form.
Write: h=1 m=46
